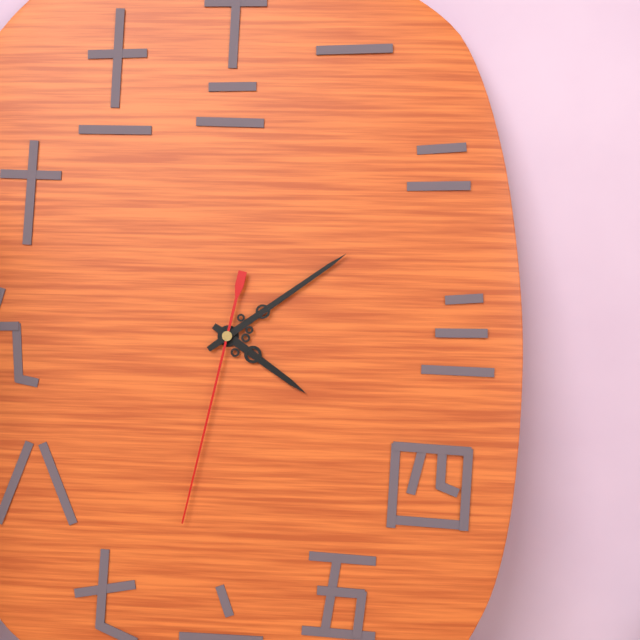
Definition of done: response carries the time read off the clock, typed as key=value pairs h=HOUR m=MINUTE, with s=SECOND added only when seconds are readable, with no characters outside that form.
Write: h=4 m=9 s=32
